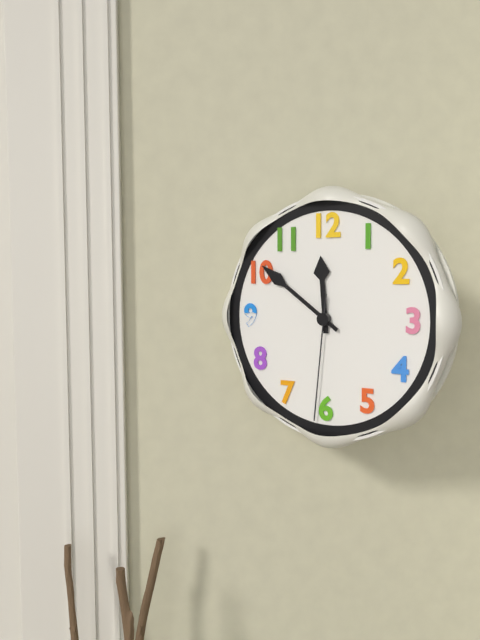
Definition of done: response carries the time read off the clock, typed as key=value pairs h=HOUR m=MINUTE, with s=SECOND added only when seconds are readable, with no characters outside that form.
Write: h=11 m=51 s=31
